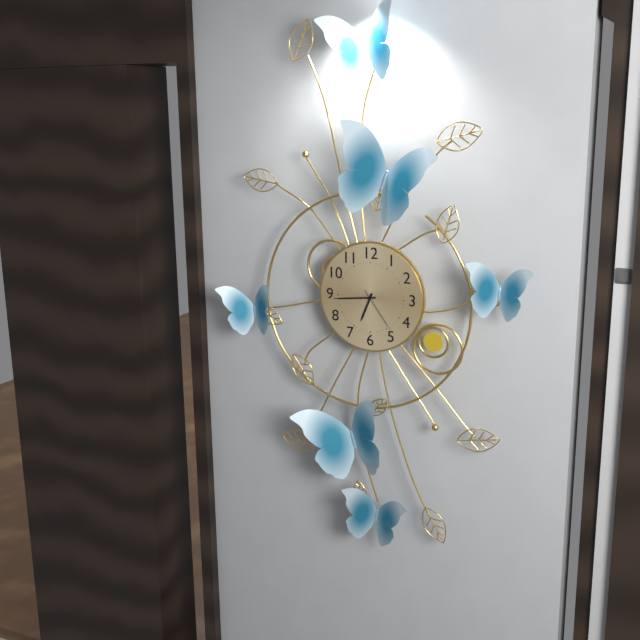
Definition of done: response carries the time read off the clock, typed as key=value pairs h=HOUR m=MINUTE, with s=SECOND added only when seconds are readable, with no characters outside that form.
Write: h=6 m=44
